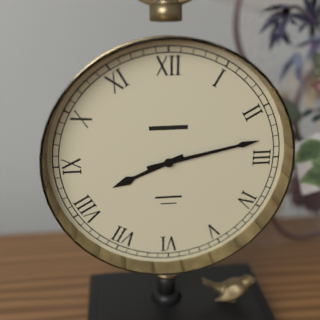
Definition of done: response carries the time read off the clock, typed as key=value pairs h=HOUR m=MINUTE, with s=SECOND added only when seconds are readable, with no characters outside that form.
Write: h=8 m=13
